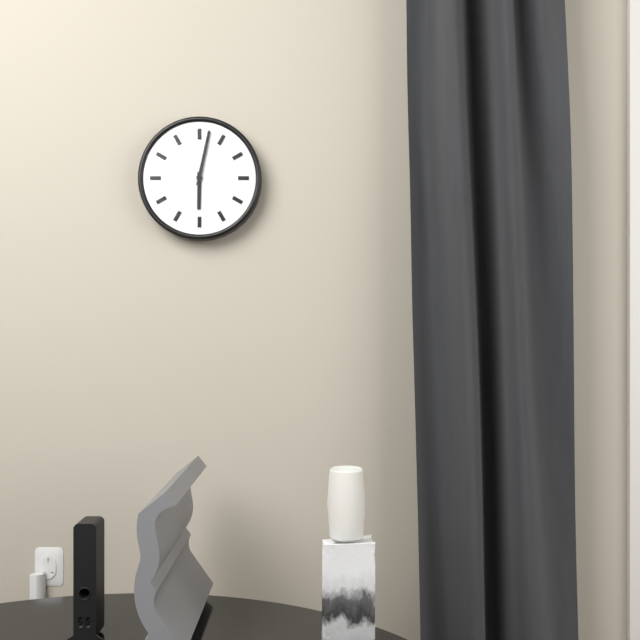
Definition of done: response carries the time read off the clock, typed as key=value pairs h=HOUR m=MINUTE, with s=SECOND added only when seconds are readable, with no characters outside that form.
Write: h=6 m=2
